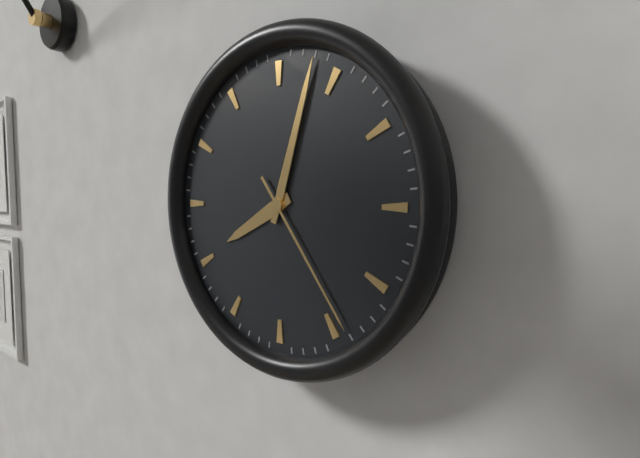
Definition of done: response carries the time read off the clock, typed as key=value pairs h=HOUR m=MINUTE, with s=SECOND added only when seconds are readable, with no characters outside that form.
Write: h=8 m=3 s=24
